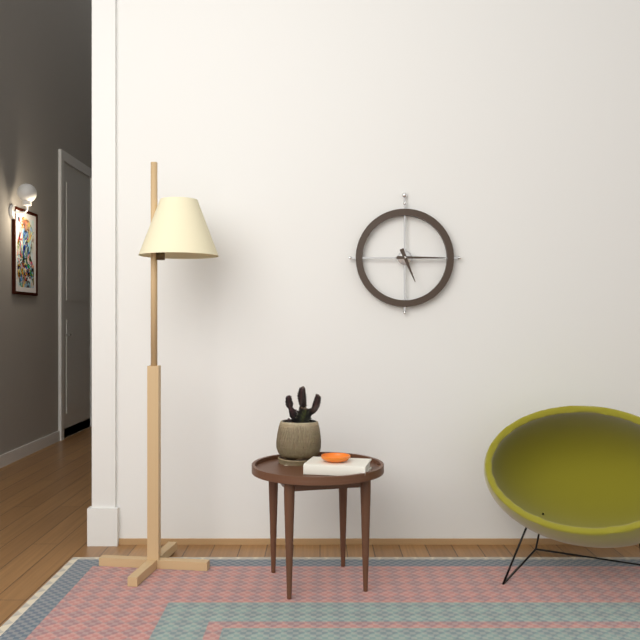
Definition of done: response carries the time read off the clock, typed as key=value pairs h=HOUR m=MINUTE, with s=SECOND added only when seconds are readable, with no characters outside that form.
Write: h=5 m=15
